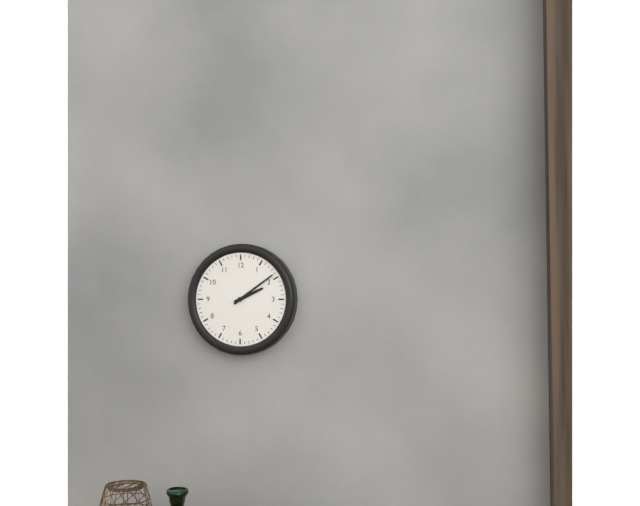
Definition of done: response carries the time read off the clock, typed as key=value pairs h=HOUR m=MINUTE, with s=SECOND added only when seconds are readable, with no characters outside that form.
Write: h=2 m=9
